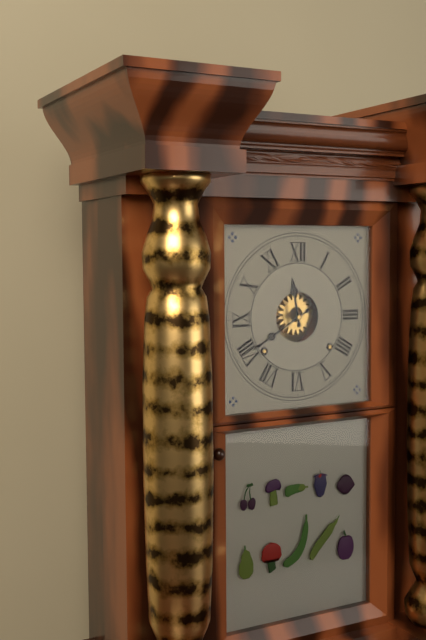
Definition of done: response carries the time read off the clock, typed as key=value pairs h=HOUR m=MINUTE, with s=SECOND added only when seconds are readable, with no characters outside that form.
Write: h=11 m=40
